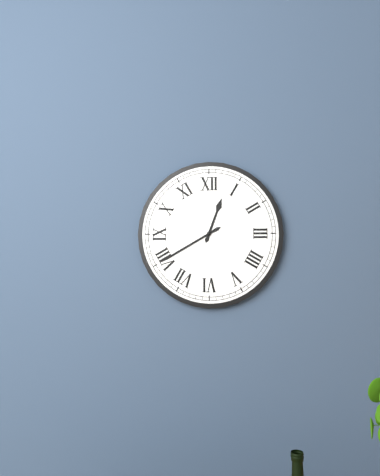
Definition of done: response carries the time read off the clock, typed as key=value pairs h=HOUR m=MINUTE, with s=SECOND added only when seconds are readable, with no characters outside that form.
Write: h=12 m=40
